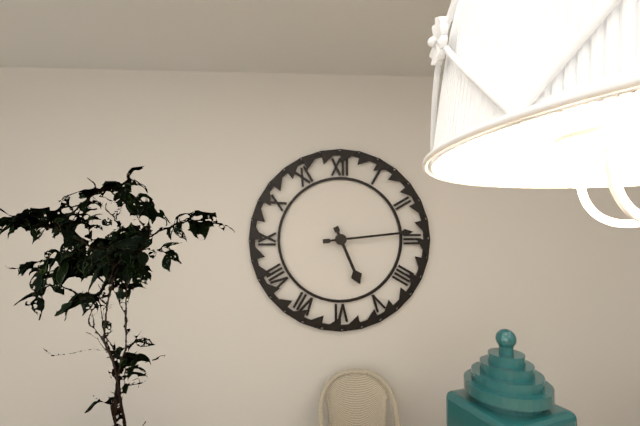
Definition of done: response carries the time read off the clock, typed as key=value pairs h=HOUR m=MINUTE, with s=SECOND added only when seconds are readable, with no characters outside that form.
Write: h=5 m=14
